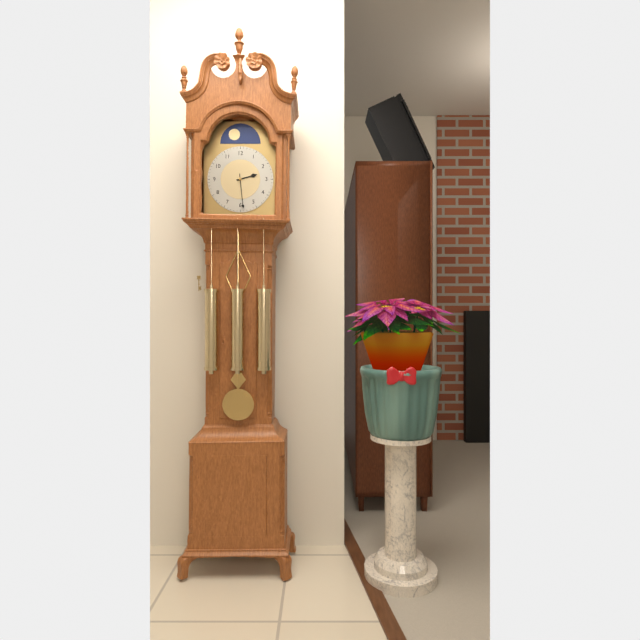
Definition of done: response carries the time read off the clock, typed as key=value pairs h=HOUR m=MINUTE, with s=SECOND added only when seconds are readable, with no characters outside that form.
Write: h=2 m=29
